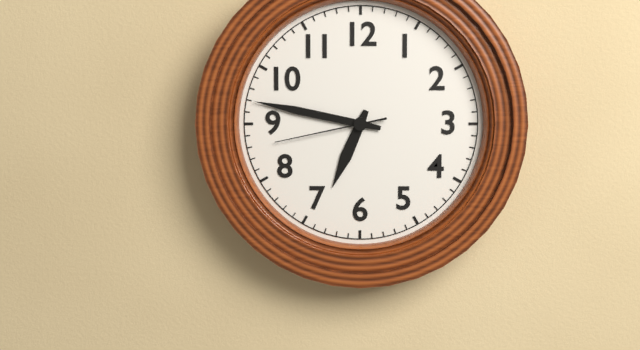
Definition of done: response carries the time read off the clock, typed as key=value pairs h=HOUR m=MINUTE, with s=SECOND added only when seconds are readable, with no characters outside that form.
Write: h=6 m=47 s=43
